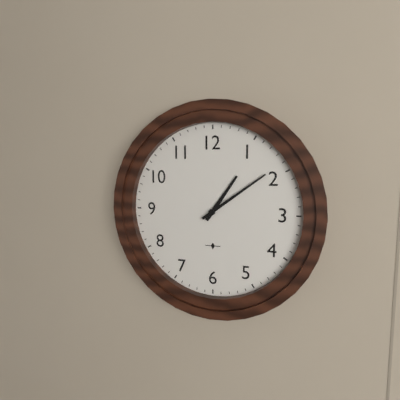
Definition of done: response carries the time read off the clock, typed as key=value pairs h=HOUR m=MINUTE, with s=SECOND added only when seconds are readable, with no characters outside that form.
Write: h=1 m=9
